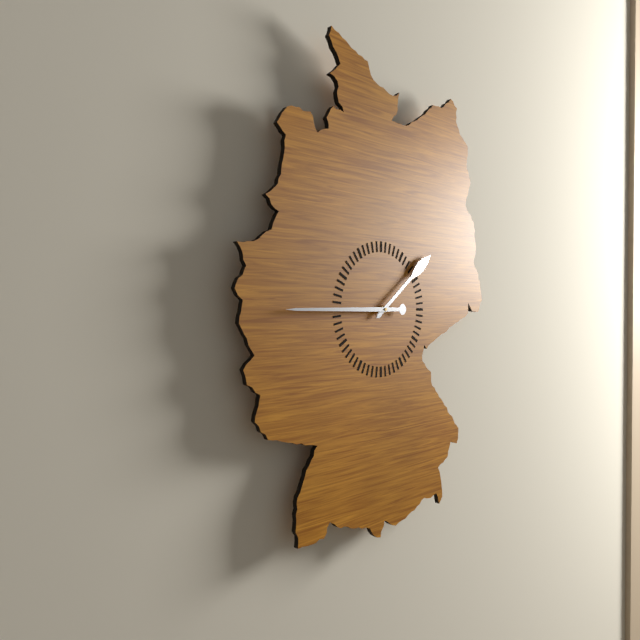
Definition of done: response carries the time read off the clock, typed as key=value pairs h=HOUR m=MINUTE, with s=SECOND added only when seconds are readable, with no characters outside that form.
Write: h=1 m=45
